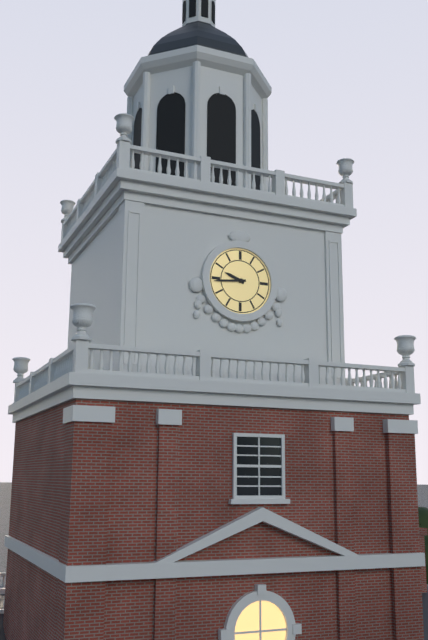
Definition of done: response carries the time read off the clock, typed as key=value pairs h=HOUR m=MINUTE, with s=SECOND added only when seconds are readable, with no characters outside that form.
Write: h=9 m=44
